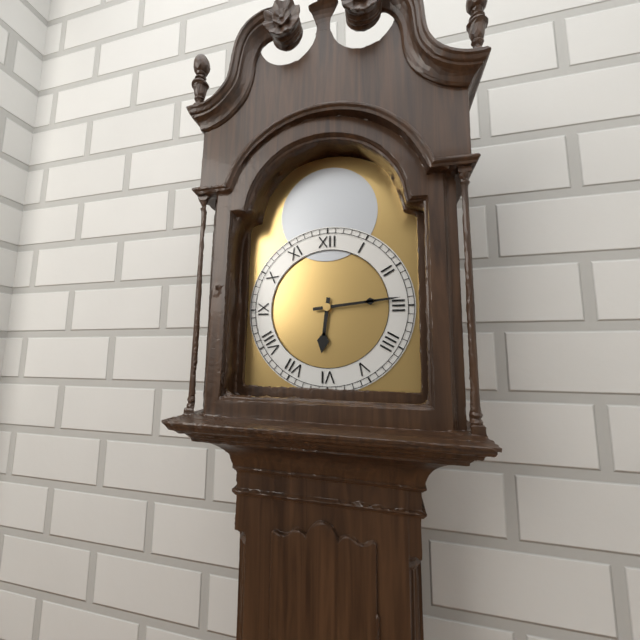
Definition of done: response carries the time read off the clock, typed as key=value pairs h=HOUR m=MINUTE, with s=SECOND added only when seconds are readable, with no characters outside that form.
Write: h=6 m=14
